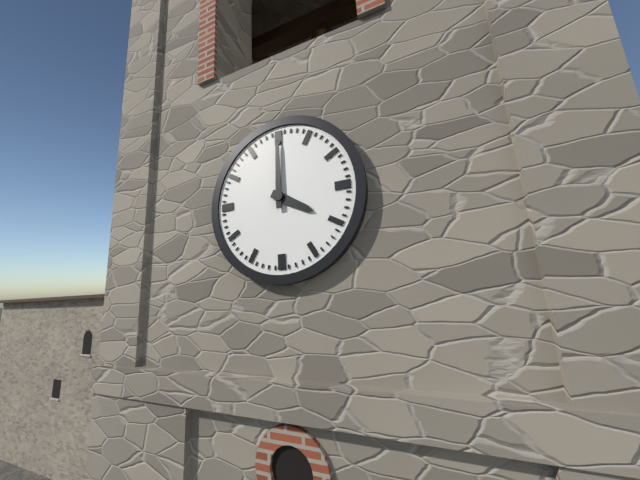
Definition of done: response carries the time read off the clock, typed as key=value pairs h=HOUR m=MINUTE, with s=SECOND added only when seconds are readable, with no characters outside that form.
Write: h=4 m=0
